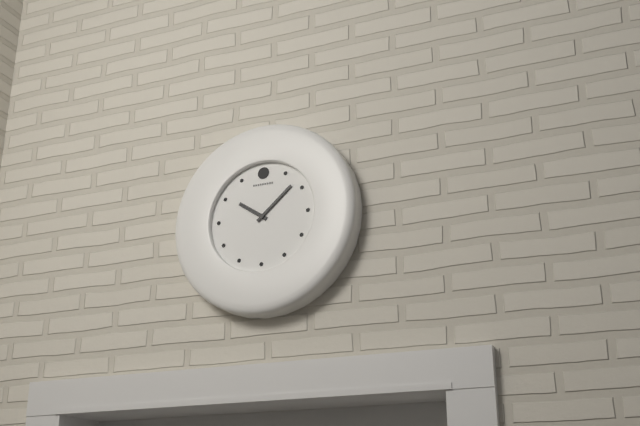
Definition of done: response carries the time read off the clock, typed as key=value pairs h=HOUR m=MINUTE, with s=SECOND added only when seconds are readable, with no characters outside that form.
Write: h=10 m=8
